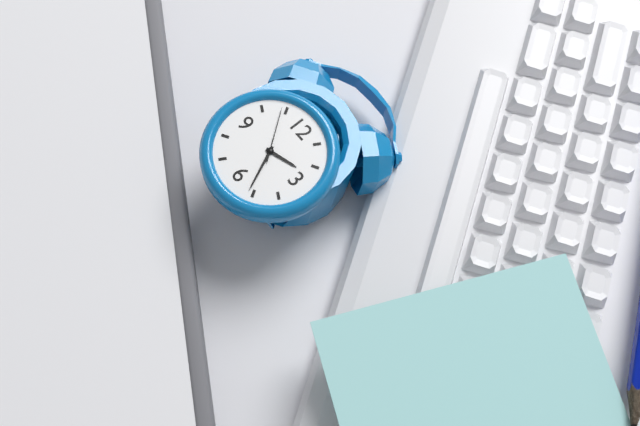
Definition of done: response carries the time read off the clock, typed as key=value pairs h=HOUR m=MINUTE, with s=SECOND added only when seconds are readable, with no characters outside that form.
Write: h=2 m=26 s=54
